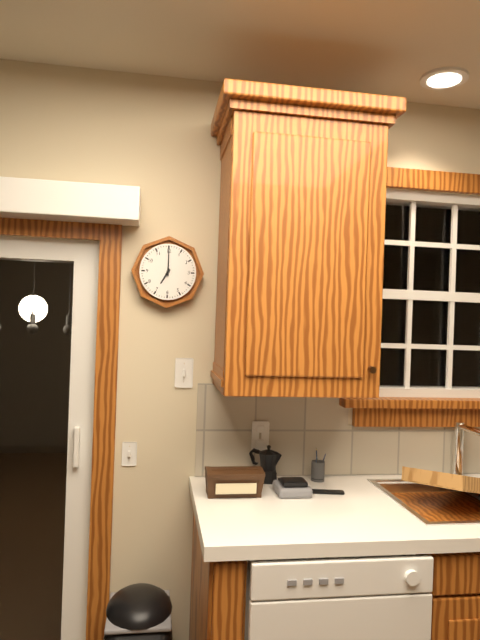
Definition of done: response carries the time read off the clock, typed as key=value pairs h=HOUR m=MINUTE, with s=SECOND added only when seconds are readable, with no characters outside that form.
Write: h=7 m=0
